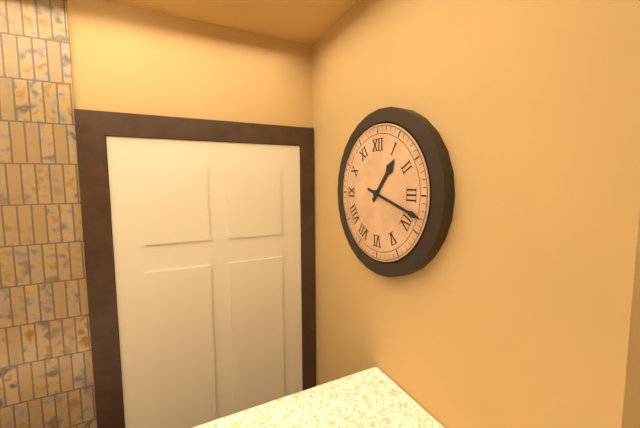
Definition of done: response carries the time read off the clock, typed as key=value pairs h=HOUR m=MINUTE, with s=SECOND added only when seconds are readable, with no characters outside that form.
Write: h=1 m=18
